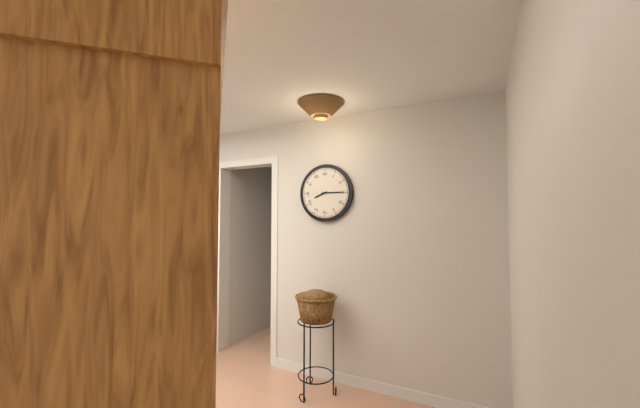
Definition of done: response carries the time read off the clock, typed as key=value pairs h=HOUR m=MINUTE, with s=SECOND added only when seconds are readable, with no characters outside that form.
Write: h=8 m=15
